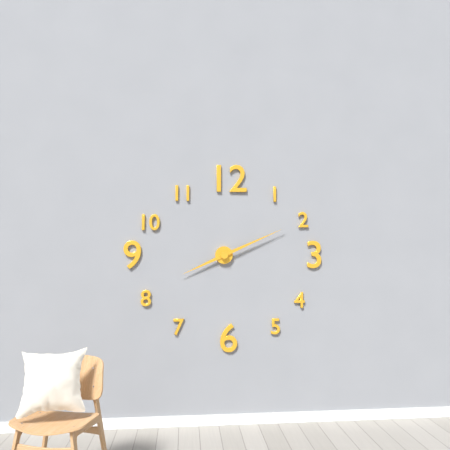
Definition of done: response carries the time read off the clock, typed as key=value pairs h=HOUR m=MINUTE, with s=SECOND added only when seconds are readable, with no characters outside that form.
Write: h=8 m=11
